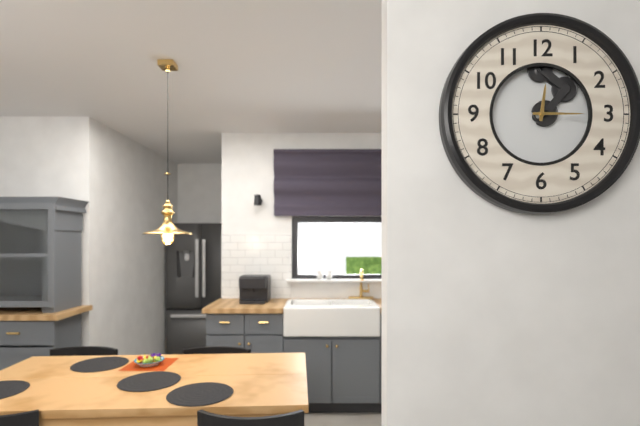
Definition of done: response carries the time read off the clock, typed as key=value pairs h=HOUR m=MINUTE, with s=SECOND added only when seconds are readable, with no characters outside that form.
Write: h=12 m=15
